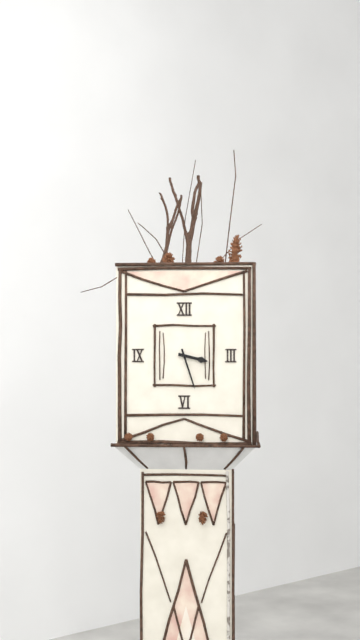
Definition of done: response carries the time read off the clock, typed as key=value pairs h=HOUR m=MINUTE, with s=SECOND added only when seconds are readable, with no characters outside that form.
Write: h=3 m=27
